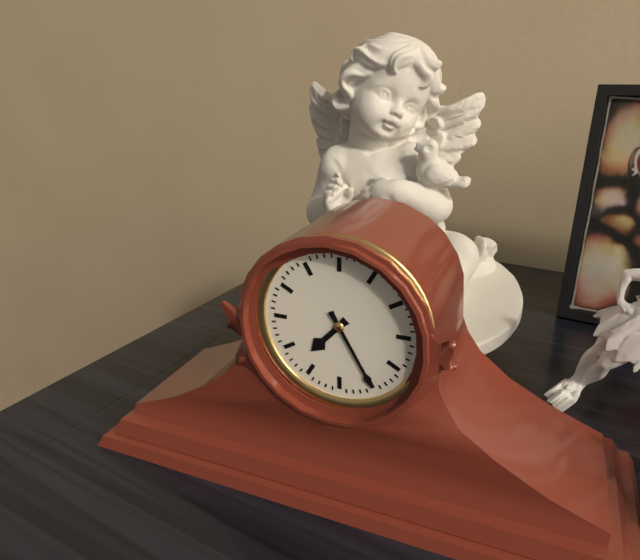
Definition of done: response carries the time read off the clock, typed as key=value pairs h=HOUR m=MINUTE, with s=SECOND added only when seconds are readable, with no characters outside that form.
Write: h=7 m=25
